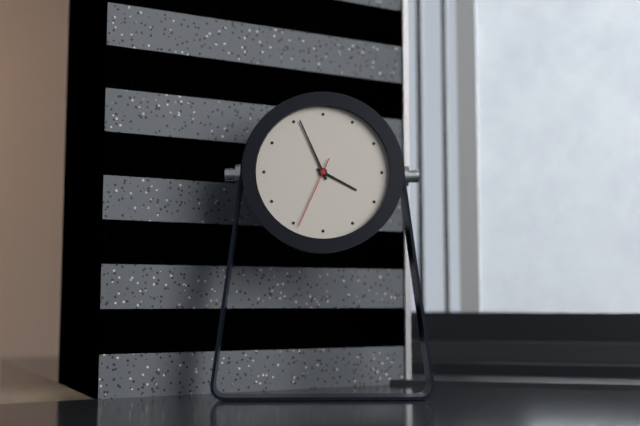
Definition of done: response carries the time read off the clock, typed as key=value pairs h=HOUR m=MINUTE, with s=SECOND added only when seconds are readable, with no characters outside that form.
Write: h=3 m=56 s=34
